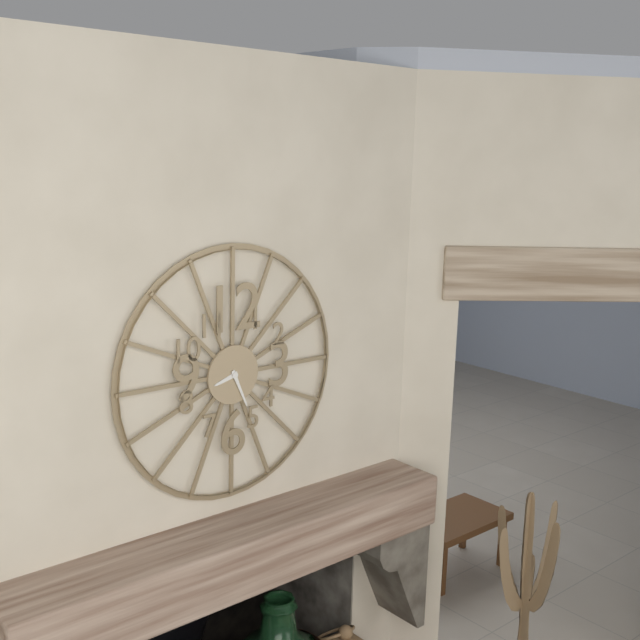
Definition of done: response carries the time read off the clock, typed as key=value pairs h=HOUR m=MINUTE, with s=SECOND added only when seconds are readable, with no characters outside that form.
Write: h=8 m=26
